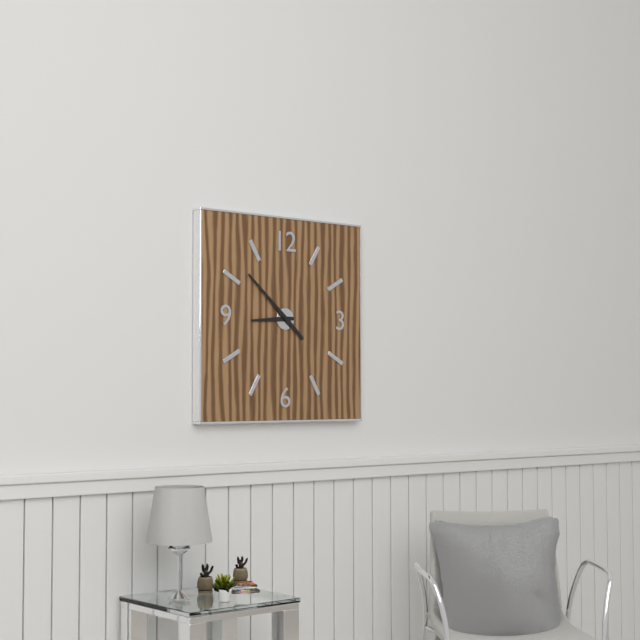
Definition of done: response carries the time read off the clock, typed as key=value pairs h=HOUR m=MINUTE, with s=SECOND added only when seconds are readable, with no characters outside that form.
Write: h=8 m=52
